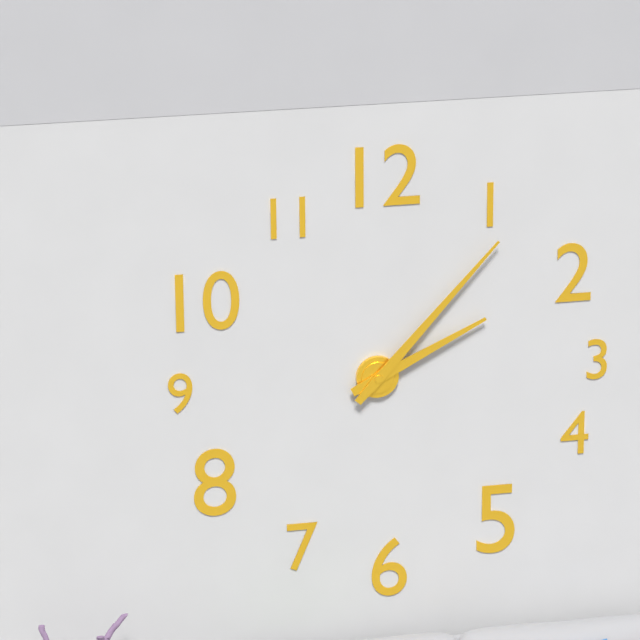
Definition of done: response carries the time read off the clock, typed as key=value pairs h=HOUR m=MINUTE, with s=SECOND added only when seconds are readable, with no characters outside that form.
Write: h=2 m=7
